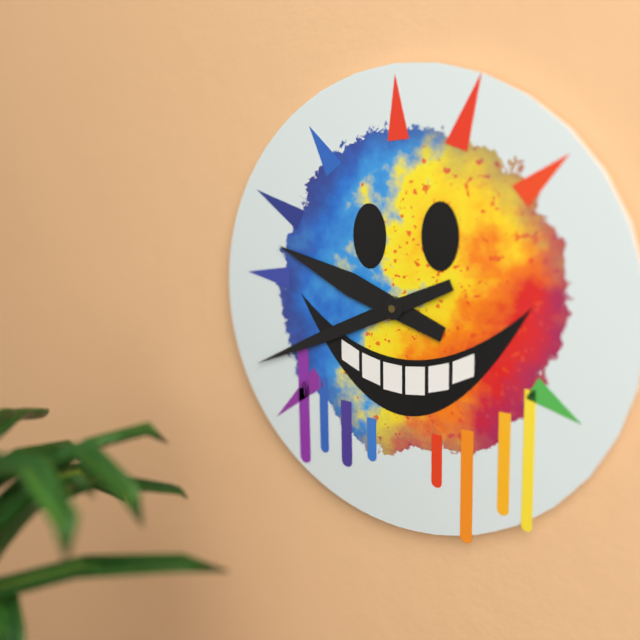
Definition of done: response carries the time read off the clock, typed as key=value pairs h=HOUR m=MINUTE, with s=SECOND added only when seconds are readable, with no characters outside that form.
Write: h=9 m=41
